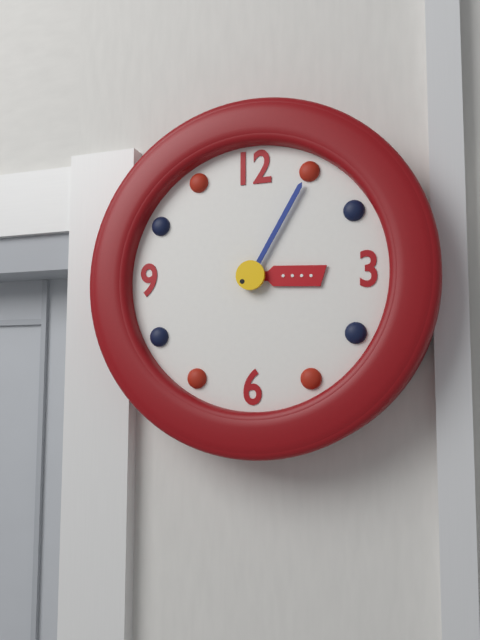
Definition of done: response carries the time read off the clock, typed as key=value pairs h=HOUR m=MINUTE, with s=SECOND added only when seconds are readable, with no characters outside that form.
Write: h=3 m=5
